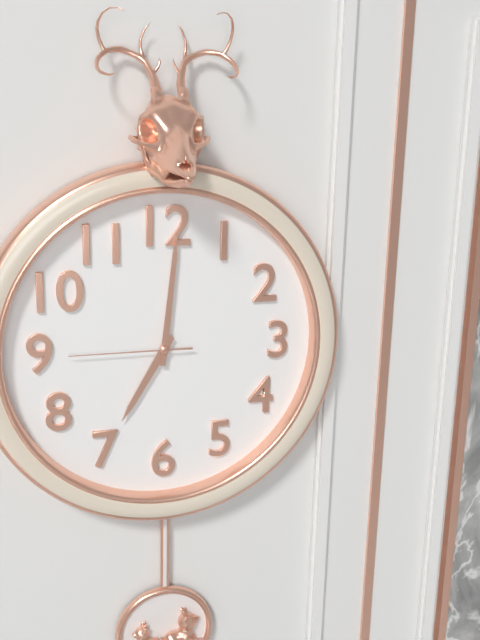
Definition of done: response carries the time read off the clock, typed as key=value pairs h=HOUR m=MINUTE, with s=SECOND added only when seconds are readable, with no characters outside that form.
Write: h=7 m=1 s=45
